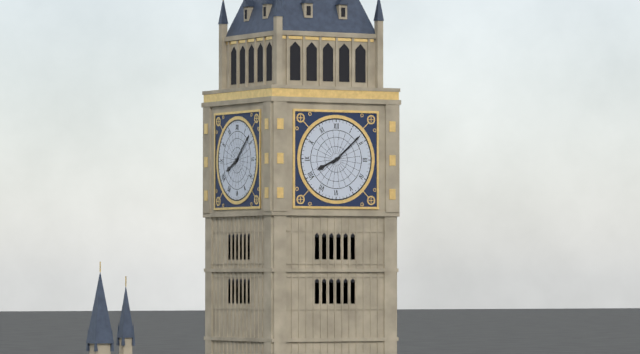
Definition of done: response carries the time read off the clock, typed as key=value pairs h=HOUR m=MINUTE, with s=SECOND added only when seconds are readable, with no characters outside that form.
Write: h=8 m=8
